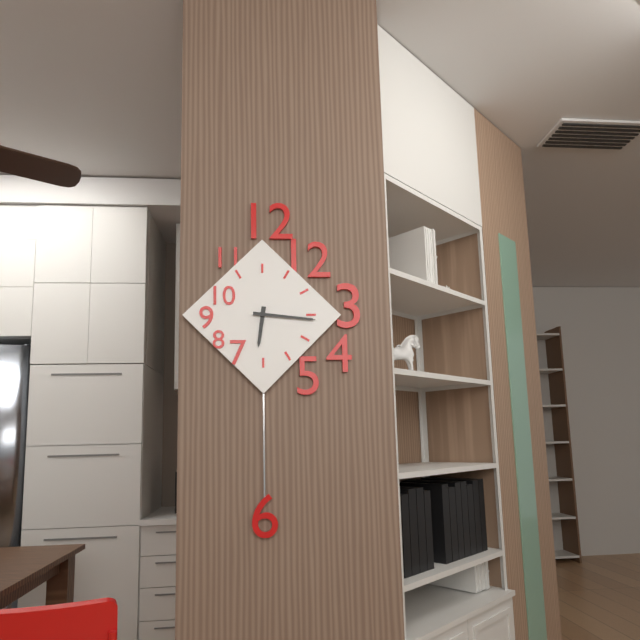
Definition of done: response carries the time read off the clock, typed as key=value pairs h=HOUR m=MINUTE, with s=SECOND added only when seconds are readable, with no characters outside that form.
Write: h=6 m=16
